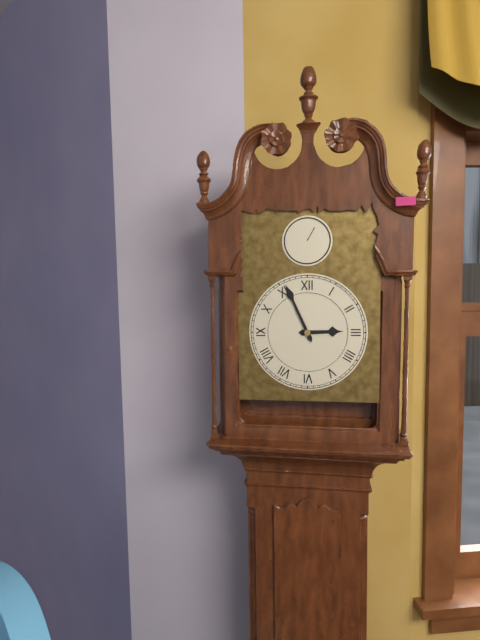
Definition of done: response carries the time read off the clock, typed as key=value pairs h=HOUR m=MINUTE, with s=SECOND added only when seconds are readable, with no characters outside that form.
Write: h=2 m=56
